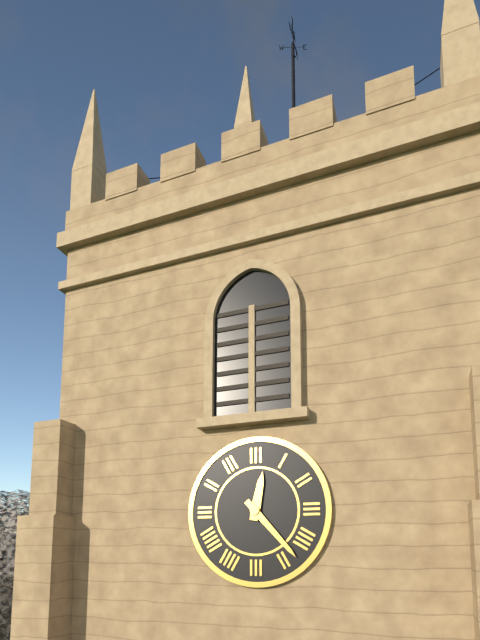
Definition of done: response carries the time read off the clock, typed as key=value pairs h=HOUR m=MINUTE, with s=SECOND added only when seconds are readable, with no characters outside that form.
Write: h=12 m=23
